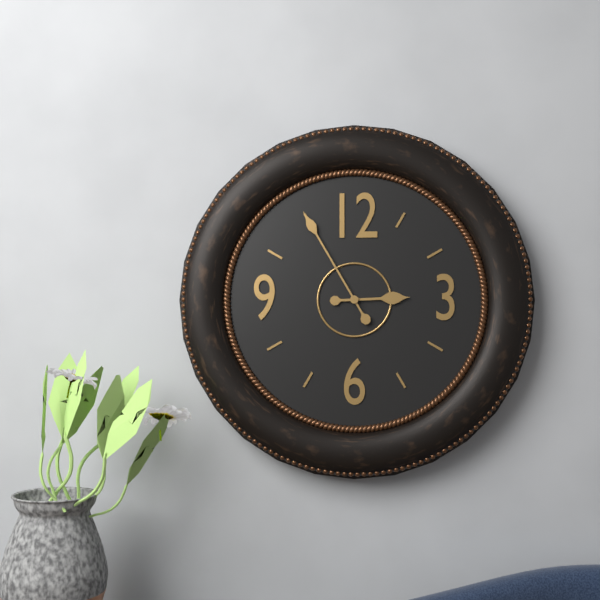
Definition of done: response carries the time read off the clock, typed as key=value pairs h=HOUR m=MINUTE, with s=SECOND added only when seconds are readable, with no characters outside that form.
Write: h=2 m=55
